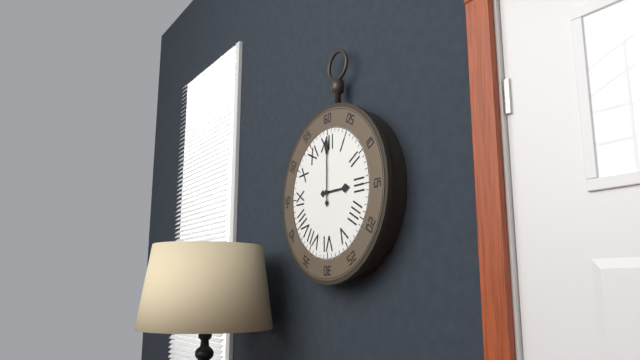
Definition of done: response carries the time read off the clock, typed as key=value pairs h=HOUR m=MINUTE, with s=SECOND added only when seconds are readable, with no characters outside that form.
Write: h=3 m=0
